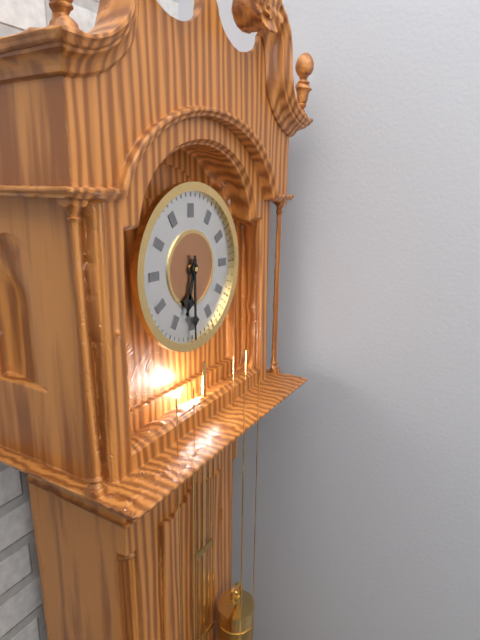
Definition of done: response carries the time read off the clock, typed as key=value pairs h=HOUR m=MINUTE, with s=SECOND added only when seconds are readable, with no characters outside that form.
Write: h=6 m=30
